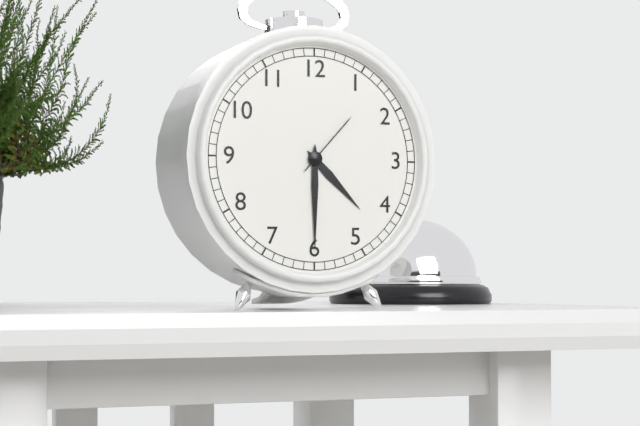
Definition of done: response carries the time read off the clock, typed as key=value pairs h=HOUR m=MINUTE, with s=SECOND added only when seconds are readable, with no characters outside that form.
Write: h=4 m=30 s=7
